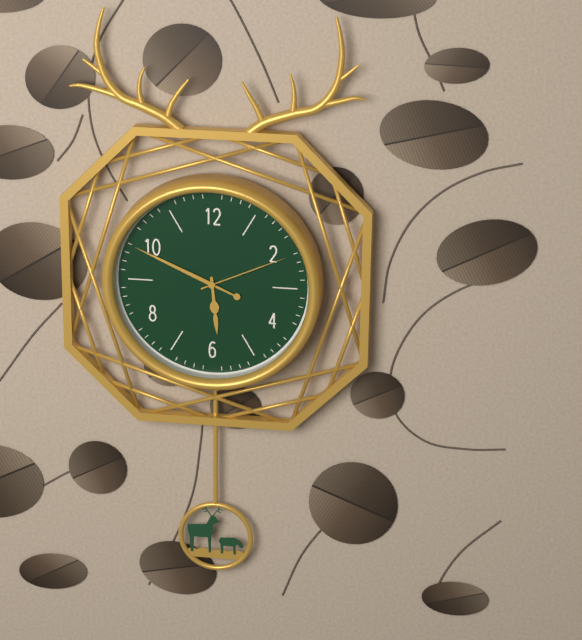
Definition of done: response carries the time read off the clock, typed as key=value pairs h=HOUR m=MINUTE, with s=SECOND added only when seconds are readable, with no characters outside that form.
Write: h=5 m=49 s=11
